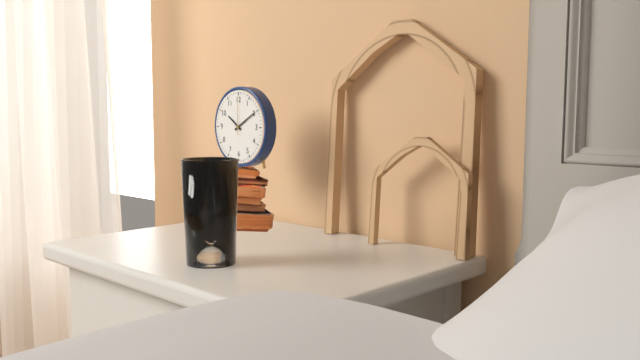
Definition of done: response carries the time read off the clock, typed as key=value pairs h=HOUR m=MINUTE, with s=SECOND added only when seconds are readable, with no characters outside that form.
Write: h=10 m=10
